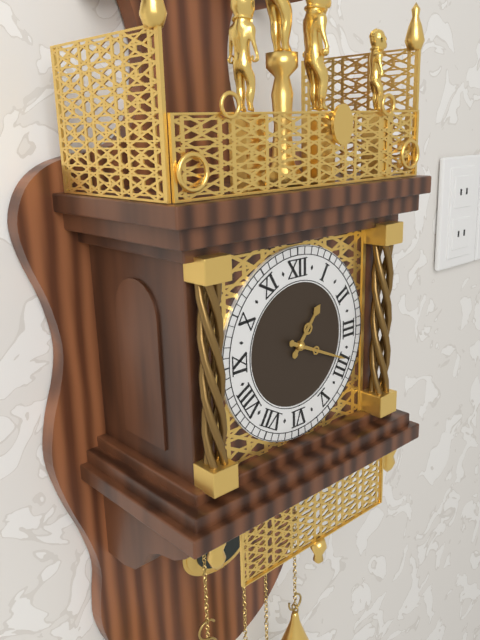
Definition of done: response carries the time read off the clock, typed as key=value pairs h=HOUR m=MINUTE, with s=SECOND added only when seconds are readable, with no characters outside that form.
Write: h=1 m=19
